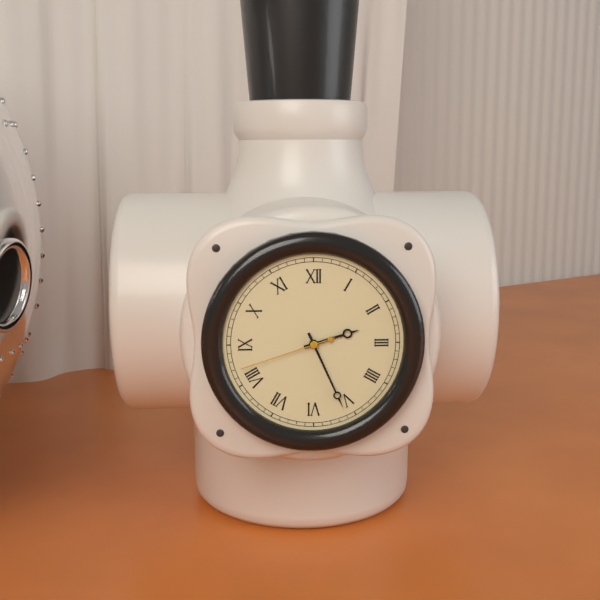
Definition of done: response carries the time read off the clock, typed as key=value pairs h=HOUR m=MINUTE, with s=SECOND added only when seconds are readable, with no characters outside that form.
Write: h=2 m=26 s=42
